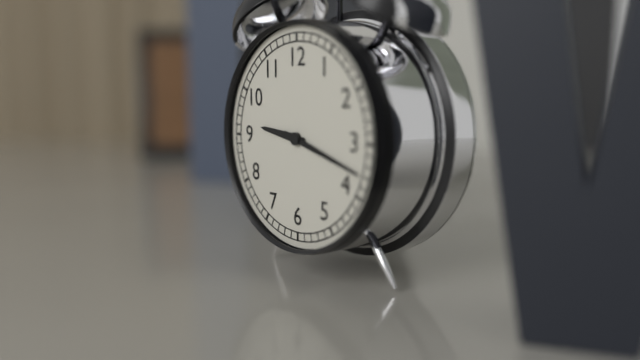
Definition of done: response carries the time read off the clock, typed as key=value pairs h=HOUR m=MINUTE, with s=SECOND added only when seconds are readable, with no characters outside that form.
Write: h=9 m=18
